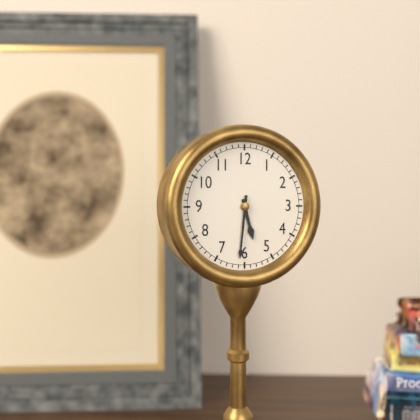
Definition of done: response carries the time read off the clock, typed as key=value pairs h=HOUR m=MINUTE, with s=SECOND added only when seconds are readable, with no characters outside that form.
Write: h=5 m=31
